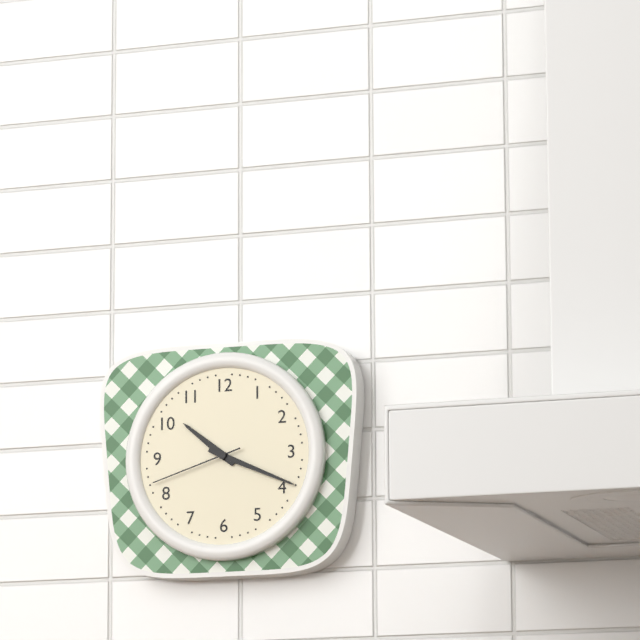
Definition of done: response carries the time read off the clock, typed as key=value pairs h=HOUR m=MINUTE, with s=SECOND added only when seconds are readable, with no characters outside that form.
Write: h=10 m=19 s=42
